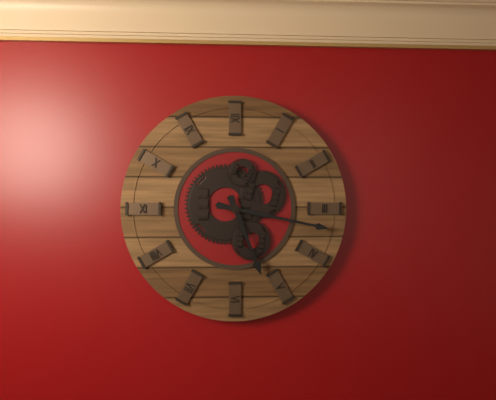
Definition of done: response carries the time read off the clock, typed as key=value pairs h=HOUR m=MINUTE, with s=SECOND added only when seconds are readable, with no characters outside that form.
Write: h=5 m=17
